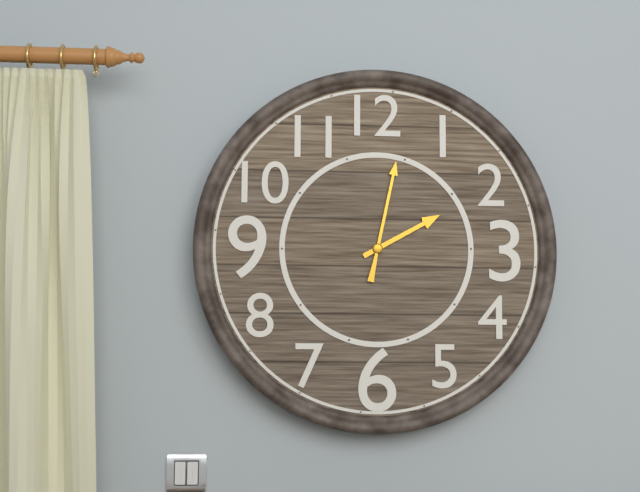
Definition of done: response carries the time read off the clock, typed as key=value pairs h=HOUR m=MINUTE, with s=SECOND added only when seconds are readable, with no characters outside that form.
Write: h=2 m=2
